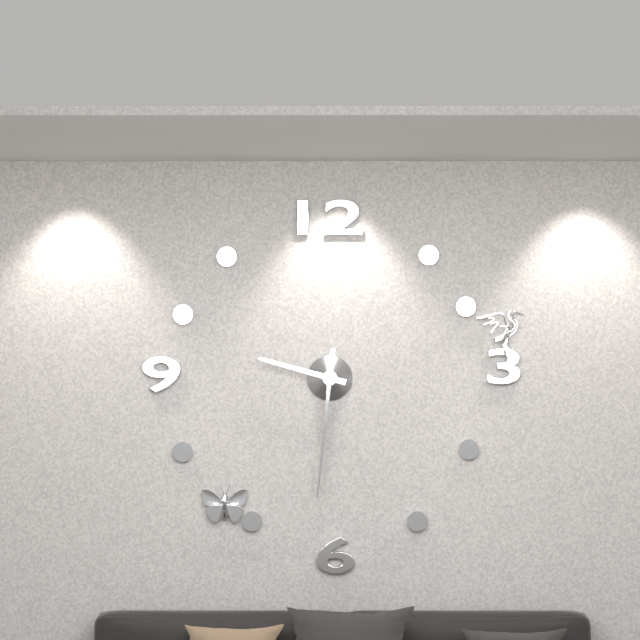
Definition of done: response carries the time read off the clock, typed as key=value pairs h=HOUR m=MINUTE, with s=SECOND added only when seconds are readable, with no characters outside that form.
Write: h=9 m=31
